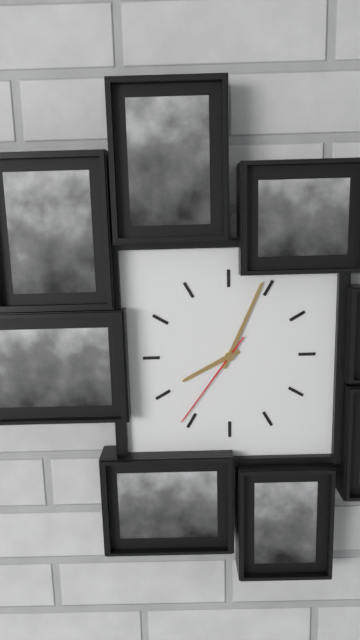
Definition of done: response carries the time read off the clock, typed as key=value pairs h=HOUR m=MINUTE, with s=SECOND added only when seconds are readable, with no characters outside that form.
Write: h=8 m=4 s=36
